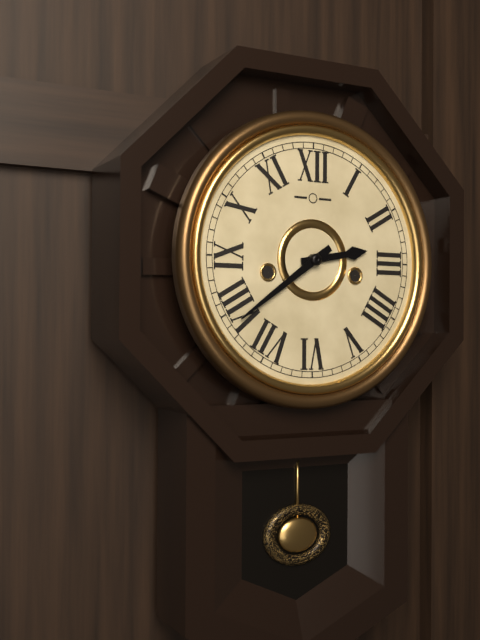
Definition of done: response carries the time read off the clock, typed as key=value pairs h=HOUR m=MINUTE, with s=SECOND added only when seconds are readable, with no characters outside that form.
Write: h=2 m=39
